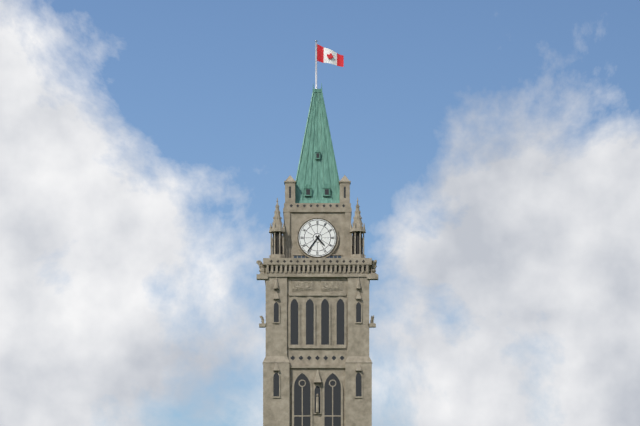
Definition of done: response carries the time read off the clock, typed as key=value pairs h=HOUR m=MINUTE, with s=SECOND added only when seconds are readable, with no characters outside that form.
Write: h=4 m=36
